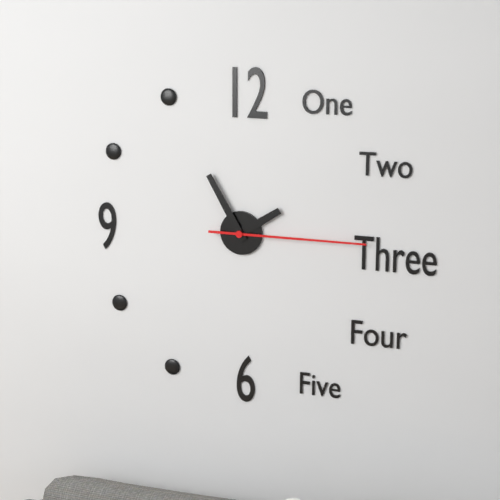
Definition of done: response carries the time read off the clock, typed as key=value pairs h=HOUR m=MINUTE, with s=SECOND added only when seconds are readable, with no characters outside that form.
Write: h=1 m=55 s=15
